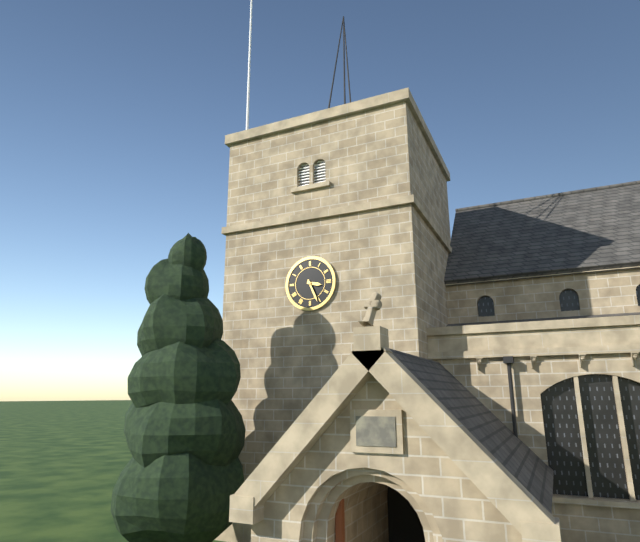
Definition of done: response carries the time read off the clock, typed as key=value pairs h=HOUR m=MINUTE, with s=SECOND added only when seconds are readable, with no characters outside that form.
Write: h=3 m=26
